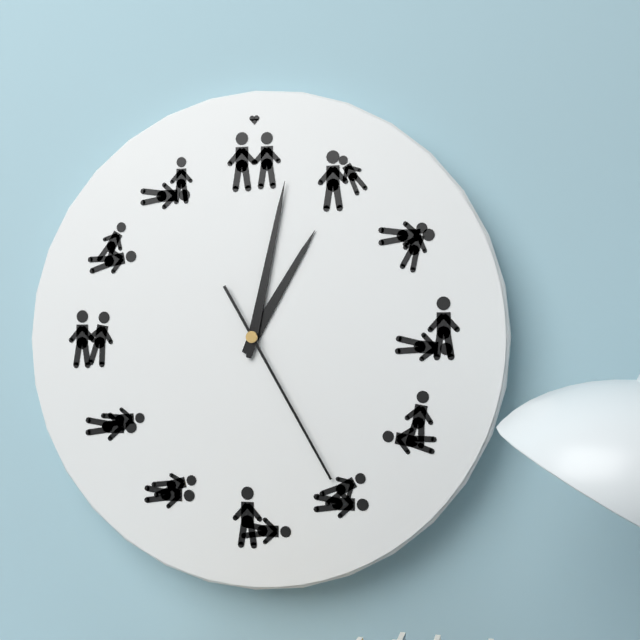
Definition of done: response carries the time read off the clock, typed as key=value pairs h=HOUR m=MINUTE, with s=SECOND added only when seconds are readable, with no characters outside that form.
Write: h=1 m=2 s=25
